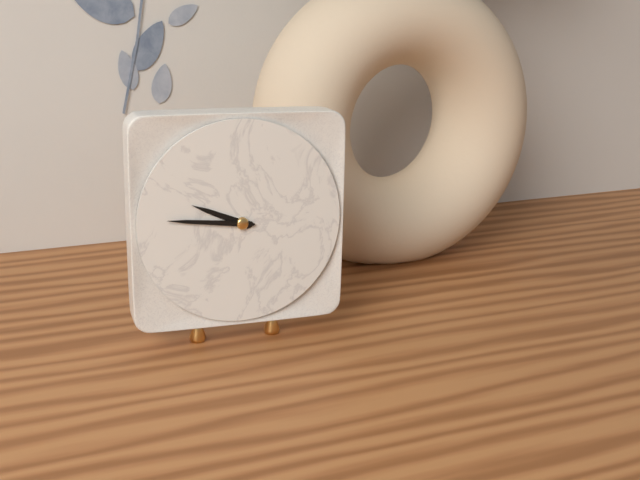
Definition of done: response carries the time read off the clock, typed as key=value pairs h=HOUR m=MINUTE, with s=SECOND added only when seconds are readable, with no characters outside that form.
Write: h=9 m=46
